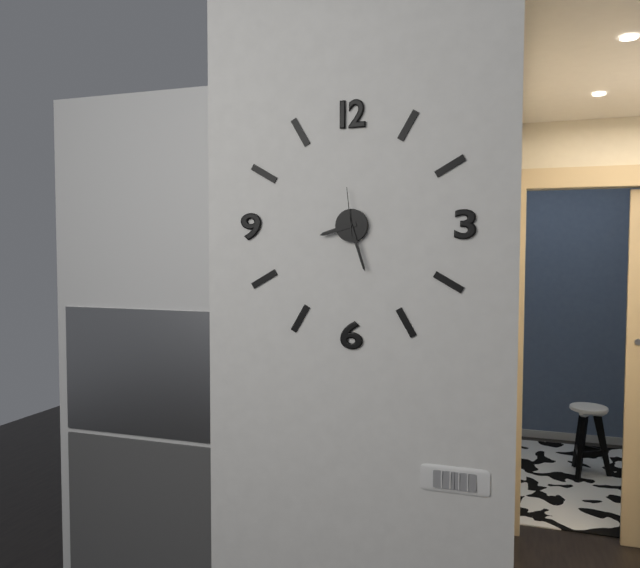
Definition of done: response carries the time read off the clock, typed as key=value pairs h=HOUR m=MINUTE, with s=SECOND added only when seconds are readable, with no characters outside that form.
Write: h=8 m=27
